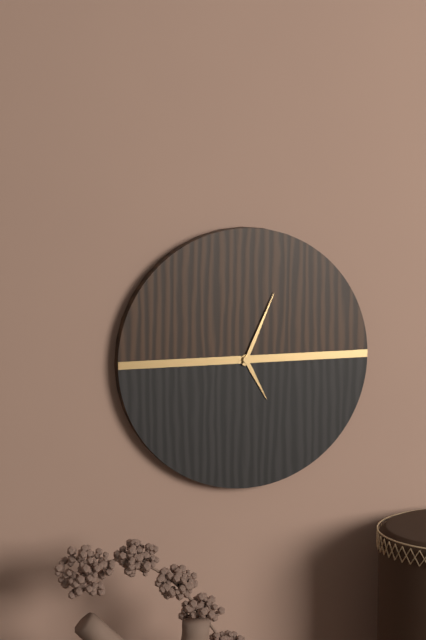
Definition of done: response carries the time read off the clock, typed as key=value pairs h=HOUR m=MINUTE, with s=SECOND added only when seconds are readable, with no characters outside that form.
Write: h=5 m=4
